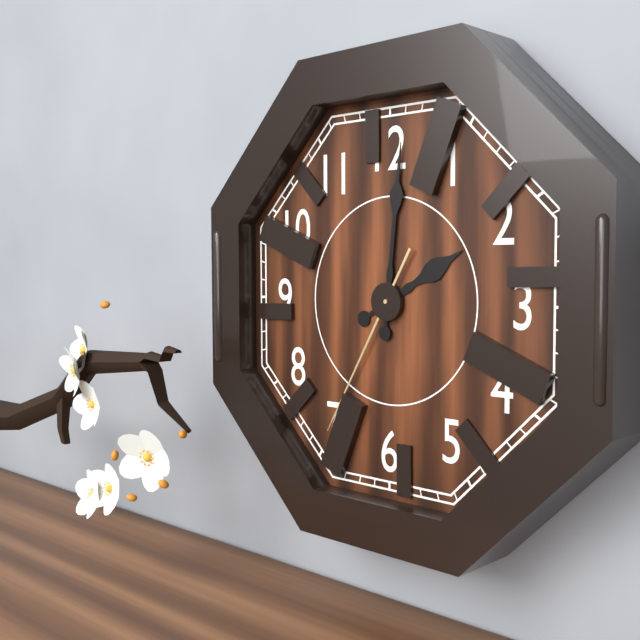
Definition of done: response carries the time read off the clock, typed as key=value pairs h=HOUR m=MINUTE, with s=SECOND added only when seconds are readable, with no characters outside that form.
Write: h=2 m=1 s=35
